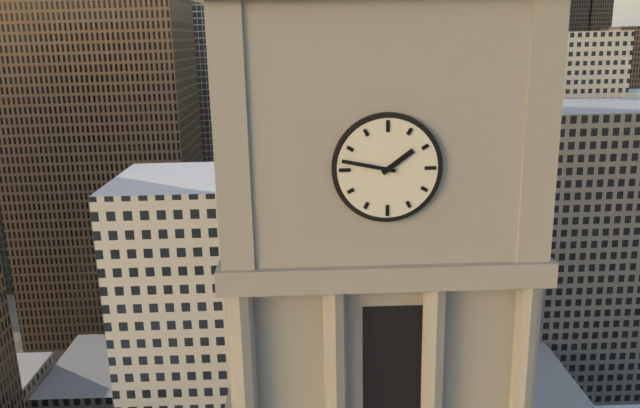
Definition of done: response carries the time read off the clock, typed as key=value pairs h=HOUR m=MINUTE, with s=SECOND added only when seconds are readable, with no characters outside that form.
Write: h=1 m=47
